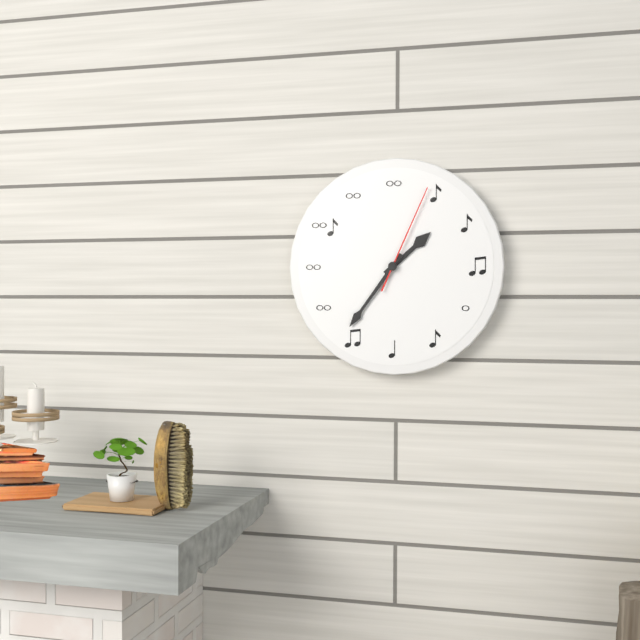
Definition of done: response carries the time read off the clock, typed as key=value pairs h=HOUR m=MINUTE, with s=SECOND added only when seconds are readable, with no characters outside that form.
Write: h=1 m=36 s=4
